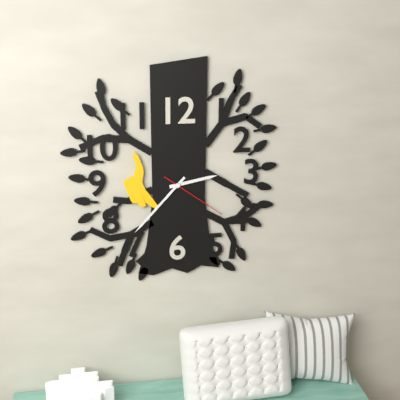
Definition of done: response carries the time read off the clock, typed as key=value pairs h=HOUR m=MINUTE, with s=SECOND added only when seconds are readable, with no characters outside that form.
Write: h=2 m=37 s=21
